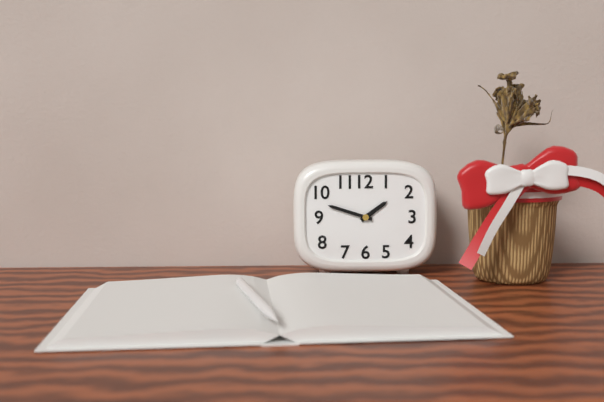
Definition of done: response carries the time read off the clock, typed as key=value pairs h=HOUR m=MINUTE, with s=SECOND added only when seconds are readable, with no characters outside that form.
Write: h=1 m=48
